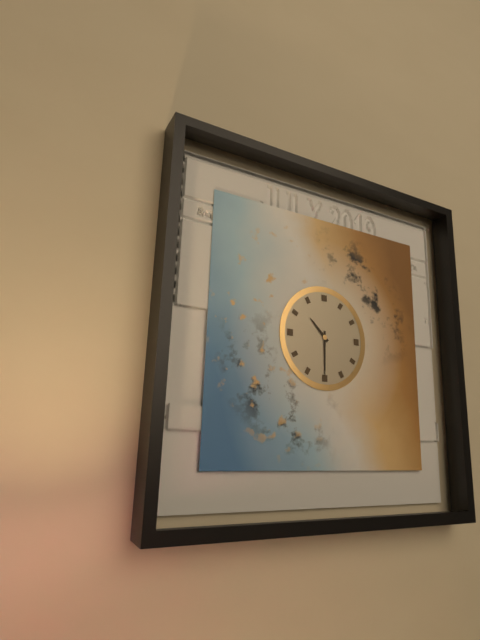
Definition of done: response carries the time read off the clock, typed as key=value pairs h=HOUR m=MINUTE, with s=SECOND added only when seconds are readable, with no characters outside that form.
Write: h=10 m=30
